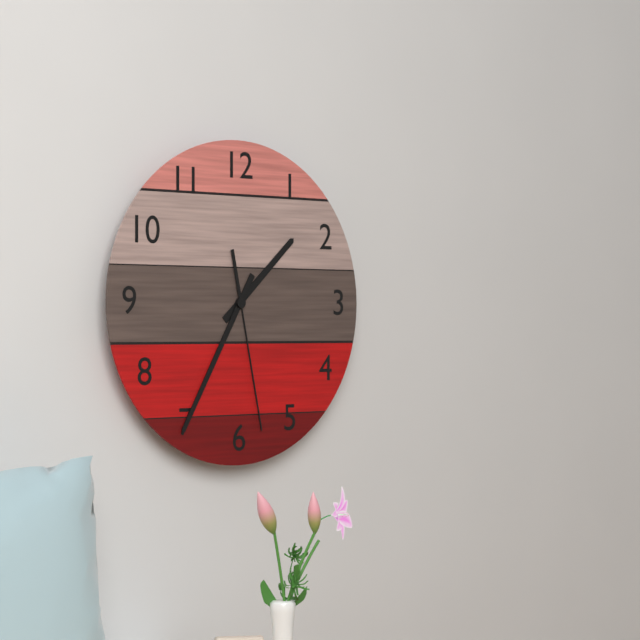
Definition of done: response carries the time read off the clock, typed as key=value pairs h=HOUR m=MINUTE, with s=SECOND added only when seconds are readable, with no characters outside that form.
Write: h=1 m=35 s=28
